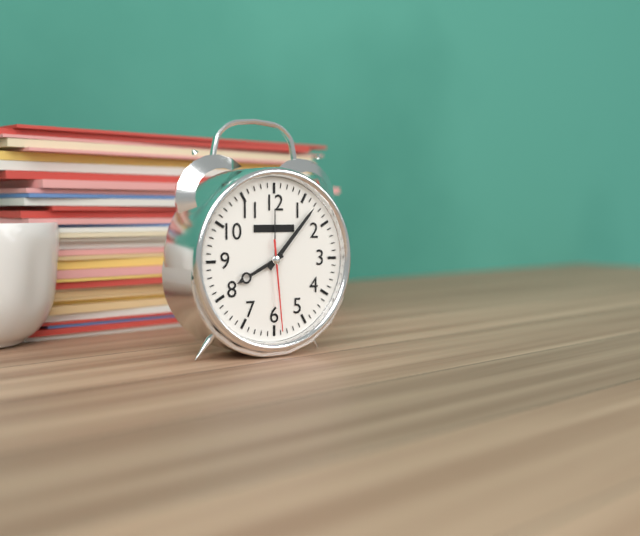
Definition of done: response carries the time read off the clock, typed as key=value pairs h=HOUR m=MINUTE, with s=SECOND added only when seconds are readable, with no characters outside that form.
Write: h=8 m=7 s=29
